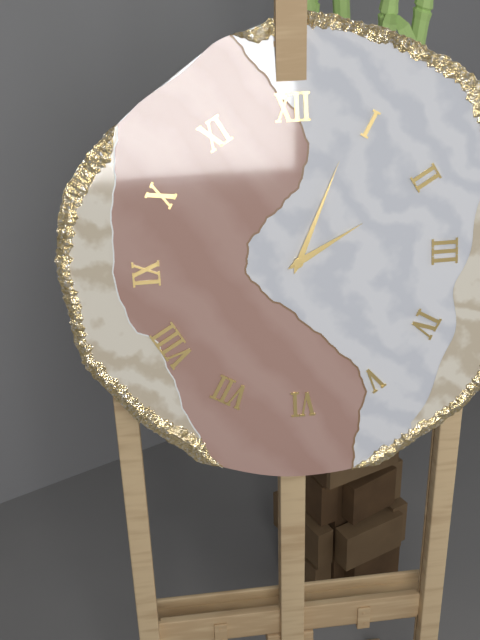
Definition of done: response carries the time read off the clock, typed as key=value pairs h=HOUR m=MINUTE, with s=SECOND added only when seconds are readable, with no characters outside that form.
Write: h=2 m=4
